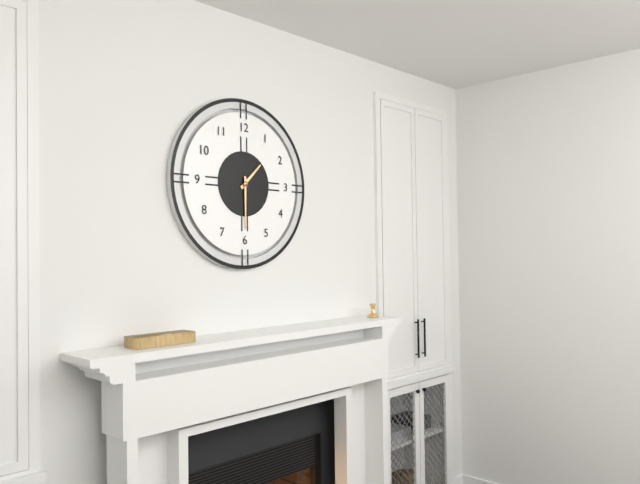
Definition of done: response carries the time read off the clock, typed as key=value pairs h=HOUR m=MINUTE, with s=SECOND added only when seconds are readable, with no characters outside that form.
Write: h=1 m=30
